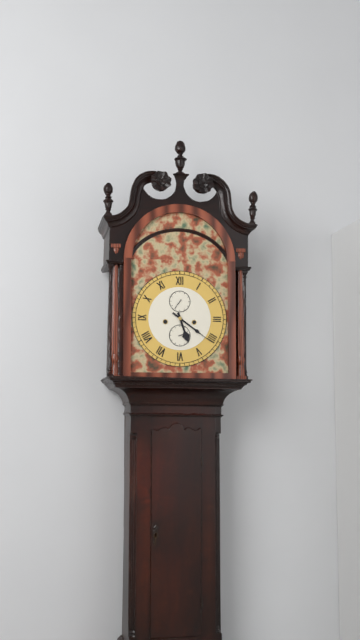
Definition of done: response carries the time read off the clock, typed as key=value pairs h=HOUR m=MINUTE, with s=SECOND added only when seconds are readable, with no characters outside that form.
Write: h=5 m=21
